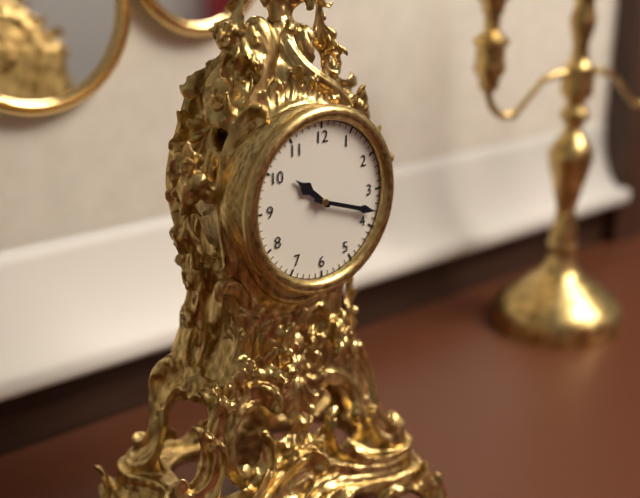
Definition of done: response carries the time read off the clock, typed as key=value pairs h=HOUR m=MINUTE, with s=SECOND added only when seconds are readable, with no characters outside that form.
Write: h=10 m=18
